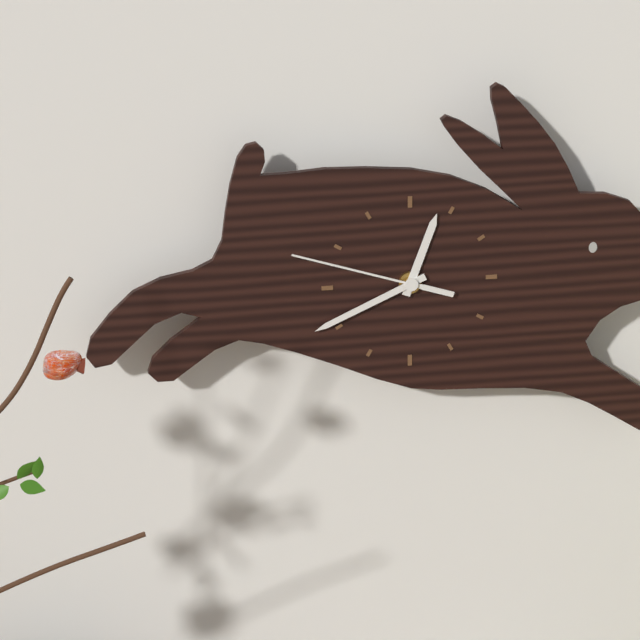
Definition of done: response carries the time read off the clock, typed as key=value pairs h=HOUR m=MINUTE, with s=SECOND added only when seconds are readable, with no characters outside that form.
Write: h=12 m=41 s=48
